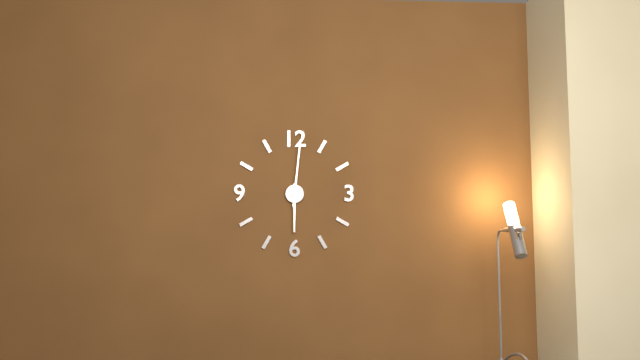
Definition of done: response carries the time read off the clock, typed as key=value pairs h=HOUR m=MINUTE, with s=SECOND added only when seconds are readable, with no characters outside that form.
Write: h=6 m=1
